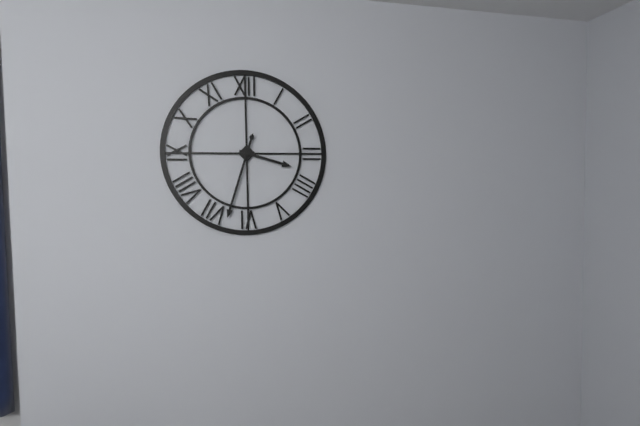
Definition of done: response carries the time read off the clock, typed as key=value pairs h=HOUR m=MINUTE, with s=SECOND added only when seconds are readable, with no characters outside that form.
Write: h=3 m=33
